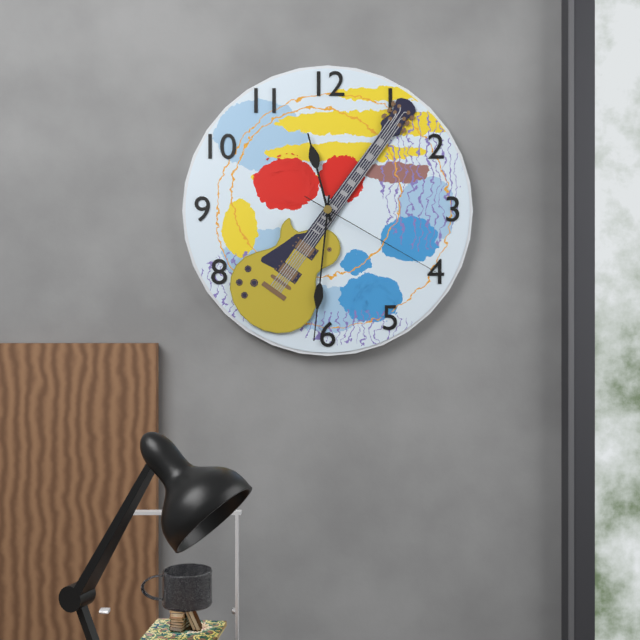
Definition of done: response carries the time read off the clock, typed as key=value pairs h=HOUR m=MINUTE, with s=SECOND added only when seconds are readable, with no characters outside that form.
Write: h=11 m=31 s=20
